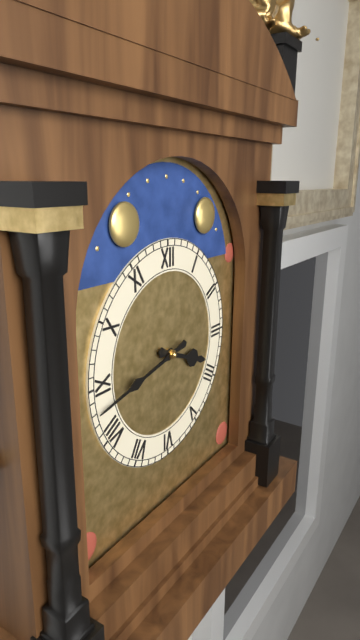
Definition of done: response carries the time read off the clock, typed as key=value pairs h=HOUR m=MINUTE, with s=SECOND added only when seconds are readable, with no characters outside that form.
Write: h=3 m=43
